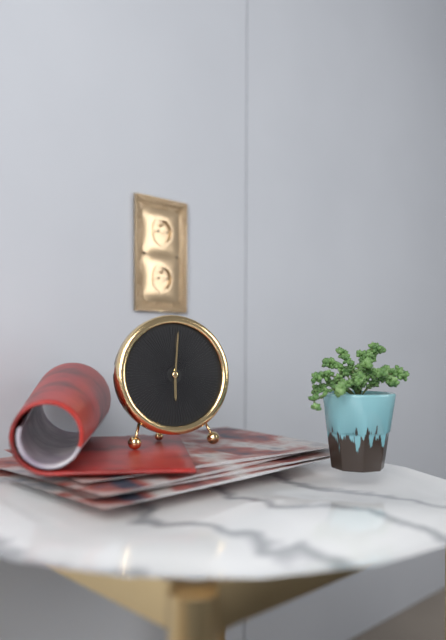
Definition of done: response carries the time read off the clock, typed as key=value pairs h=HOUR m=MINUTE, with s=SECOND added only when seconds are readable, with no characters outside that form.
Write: h=6 m=1
